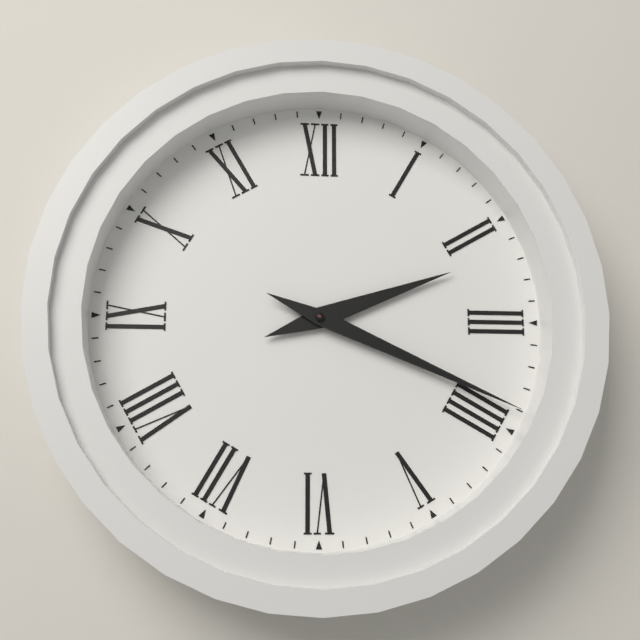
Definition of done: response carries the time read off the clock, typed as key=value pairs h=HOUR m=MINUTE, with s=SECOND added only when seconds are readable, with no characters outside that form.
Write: h=2 m=19
